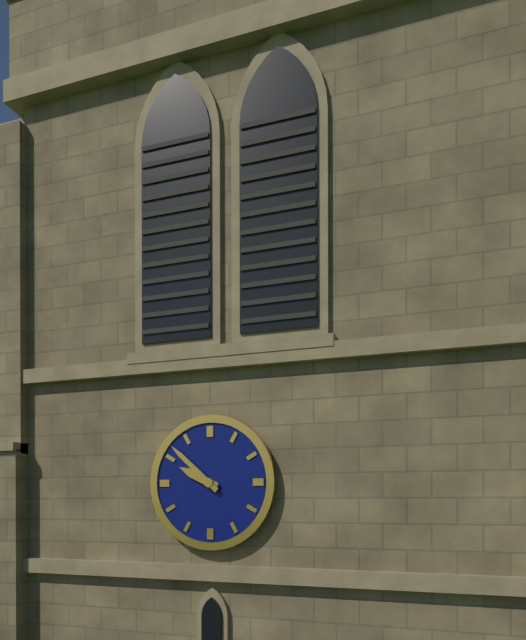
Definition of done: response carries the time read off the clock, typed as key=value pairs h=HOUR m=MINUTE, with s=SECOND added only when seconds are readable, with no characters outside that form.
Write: h=9 m=52
